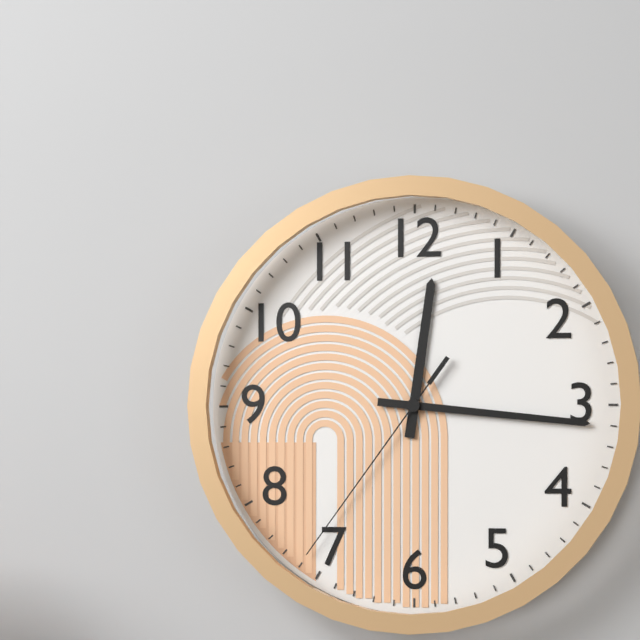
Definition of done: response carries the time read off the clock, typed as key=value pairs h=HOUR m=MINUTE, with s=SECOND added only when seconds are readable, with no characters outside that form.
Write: h=12 m=16 s=36
